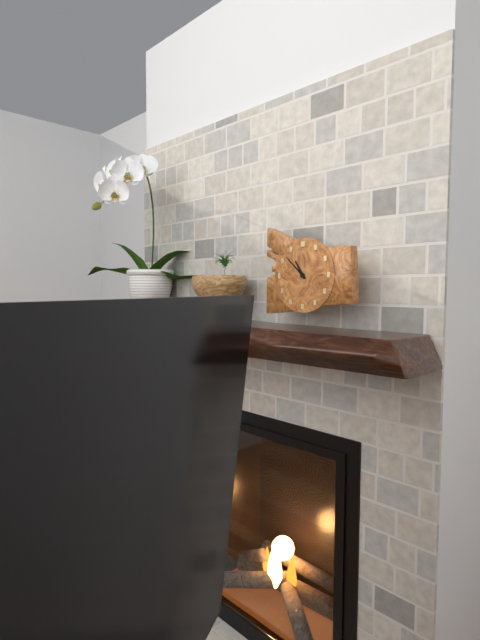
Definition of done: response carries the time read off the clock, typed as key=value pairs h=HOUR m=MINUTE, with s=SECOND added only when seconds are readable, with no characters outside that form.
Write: h=10 m=52
